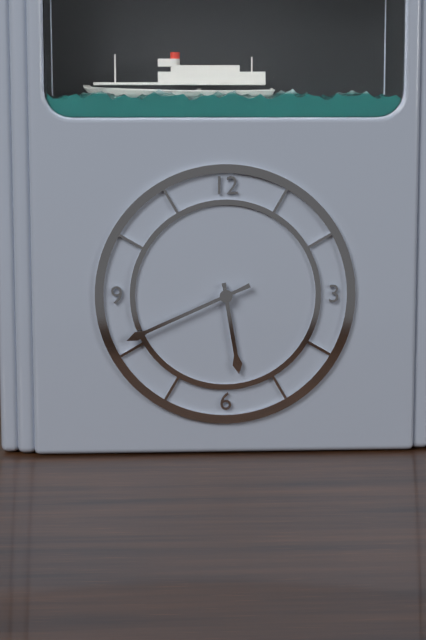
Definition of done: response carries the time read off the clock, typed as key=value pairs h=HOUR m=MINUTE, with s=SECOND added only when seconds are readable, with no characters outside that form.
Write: h=5 m=41
